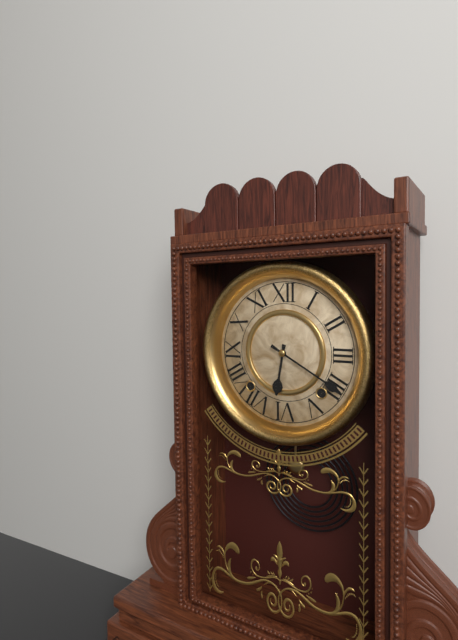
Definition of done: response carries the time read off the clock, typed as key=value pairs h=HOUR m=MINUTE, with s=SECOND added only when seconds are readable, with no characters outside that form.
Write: h=6 m=20
